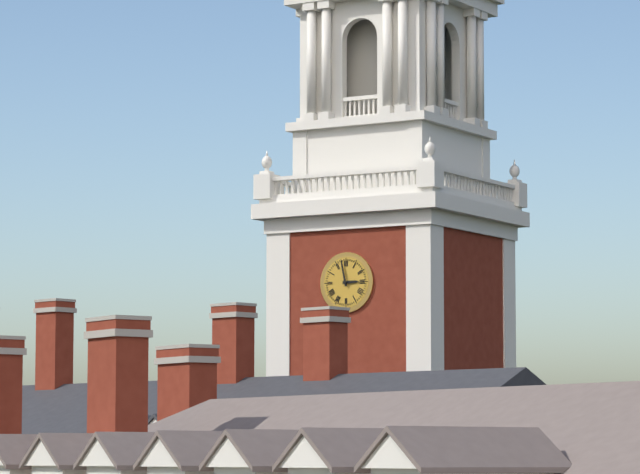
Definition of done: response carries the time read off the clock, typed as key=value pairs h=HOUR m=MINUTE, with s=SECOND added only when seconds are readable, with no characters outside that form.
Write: h=2 m=58
